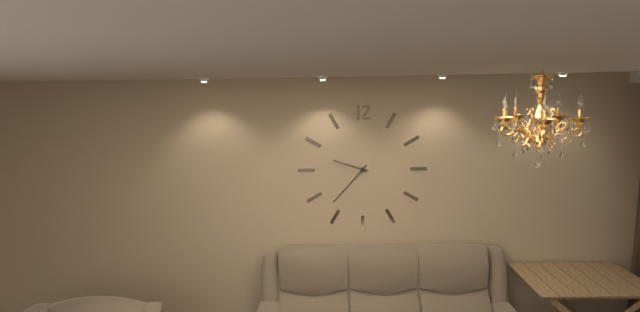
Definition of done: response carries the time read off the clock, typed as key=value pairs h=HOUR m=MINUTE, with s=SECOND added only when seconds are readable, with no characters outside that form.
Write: h=9 m=37
